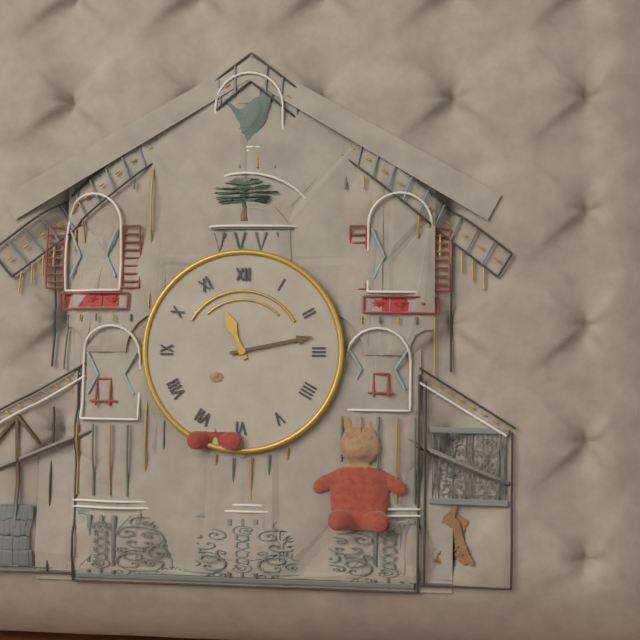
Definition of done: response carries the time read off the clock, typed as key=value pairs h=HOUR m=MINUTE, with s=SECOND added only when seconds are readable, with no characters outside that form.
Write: h=11 m=13
